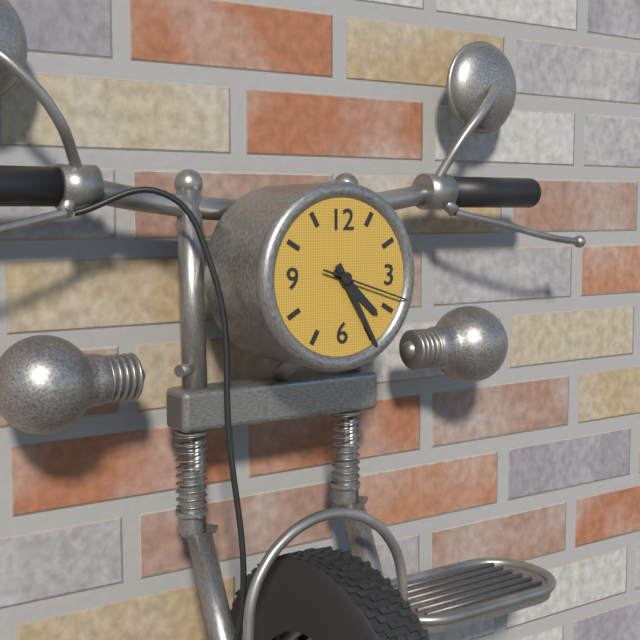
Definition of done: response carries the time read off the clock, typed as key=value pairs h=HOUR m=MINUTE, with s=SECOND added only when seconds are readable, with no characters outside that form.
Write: h=4 m=25 s=18
